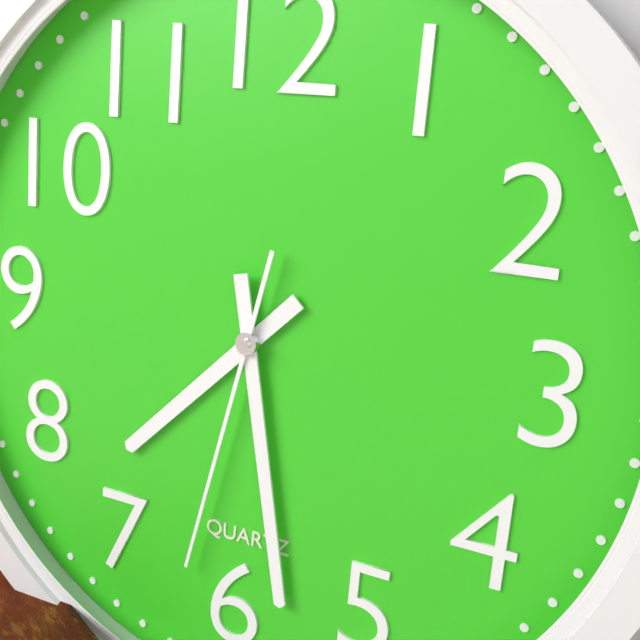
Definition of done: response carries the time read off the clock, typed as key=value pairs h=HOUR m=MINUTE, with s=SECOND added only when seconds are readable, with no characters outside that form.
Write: h=7 m=28 s=32
